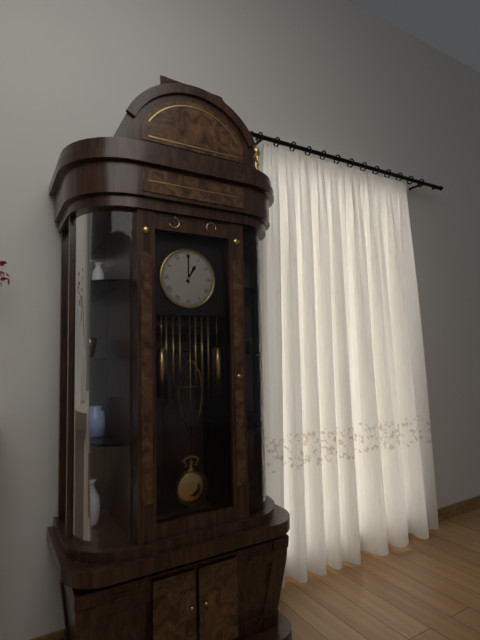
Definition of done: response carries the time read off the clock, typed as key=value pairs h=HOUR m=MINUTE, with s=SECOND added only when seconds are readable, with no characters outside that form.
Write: h=1 m=0
